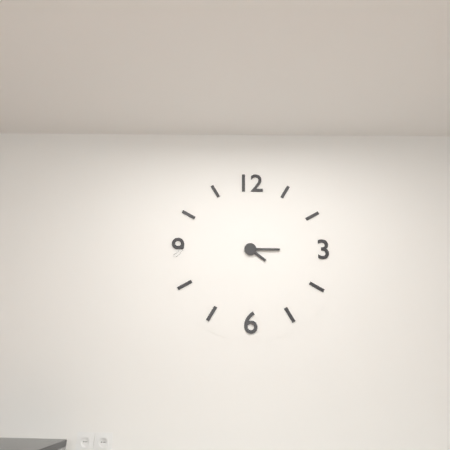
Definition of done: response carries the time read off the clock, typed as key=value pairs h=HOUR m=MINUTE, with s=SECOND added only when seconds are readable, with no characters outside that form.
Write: h=4 m=15
